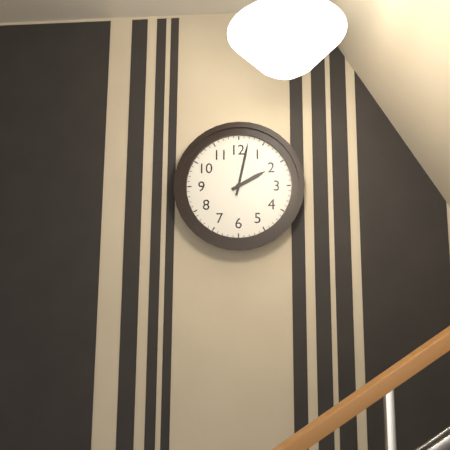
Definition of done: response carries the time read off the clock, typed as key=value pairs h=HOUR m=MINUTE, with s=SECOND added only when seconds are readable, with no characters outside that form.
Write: h=2 m=2
